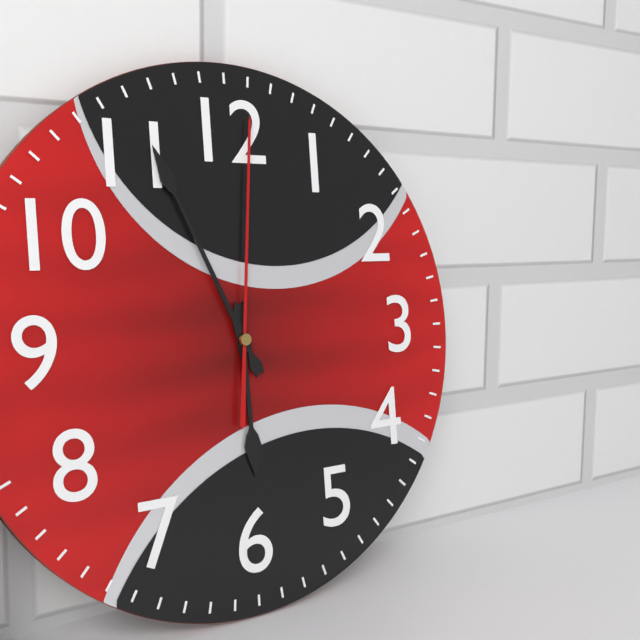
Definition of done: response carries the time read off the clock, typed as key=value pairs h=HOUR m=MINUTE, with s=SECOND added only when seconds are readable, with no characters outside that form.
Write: h=5 m=56 s=1
